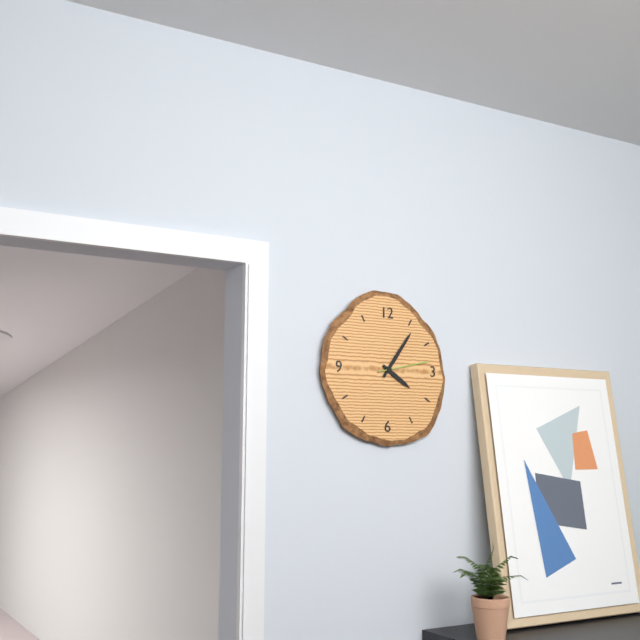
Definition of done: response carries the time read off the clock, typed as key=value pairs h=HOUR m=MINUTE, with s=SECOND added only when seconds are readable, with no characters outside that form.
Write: h=4 m=6 s=13
